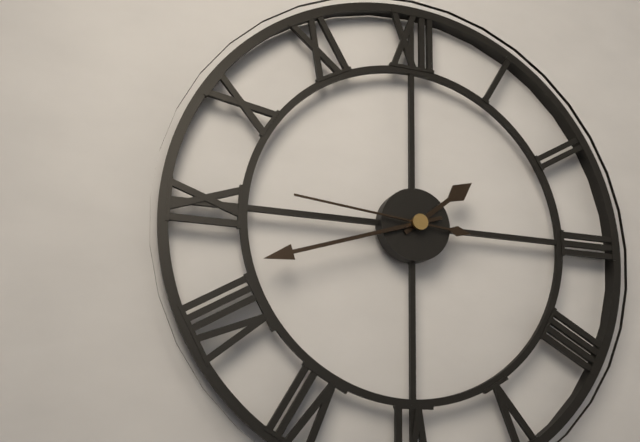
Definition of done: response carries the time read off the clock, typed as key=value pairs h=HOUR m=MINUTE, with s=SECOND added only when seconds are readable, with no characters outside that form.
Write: h=1 m=42 s=46
